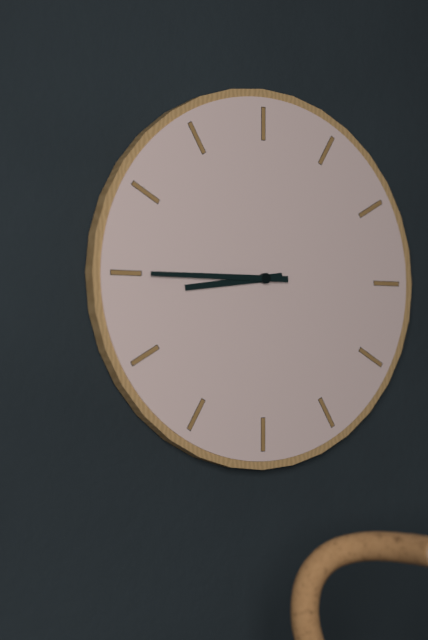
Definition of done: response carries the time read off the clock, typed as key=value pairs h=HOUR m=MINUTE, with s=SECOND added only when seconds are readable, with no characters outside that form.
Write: h=8 m=45
